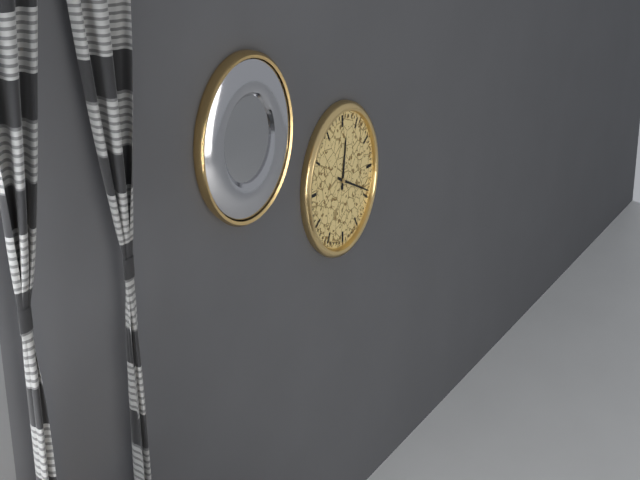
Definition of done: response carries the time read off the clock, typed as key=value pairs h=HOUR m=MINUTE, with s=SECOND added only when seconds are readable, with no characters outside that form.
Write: h=12 m=19
